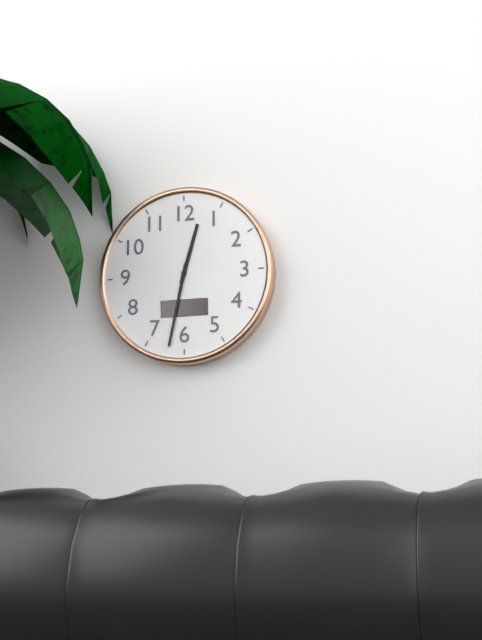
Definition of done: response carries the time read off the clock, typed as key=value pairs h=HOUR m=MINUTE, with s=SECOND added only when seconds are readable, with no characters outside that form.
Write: h=12 m=32
